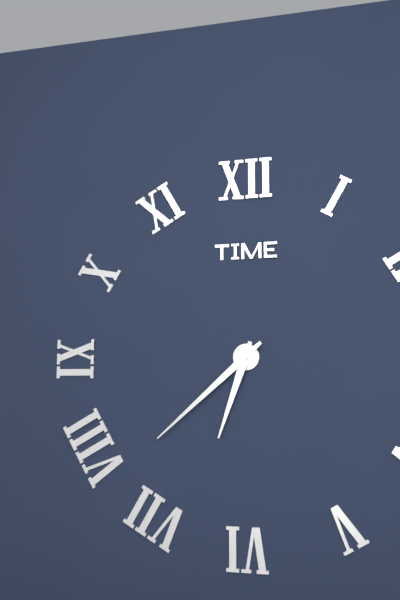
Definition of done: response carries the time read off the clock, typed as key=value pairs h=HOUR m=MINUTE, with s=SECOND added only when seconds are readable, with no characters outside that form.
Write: h=6 m=38
